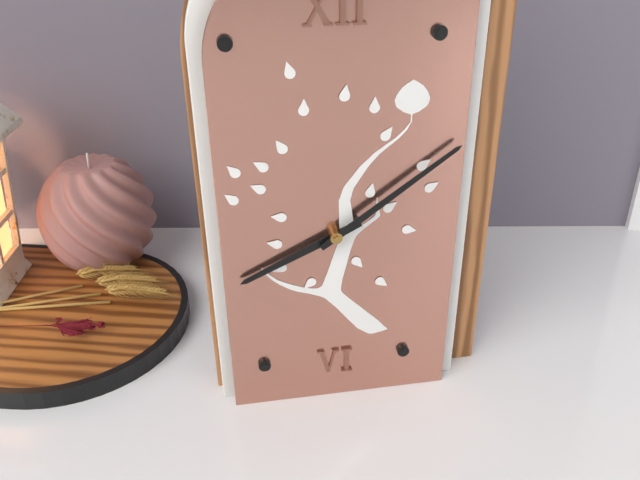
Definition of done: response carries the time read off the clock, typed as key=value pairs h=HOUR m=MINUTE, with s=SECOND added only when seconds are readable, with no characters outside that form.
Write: h=8 m=9
